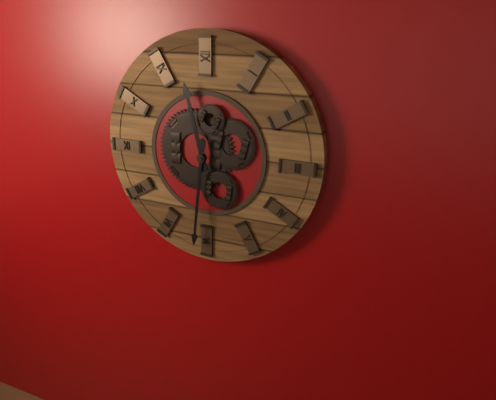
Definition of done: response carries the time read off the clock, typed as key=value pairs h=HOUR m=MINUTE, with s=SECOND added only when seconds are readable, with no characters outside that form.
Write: h=11 m=31
